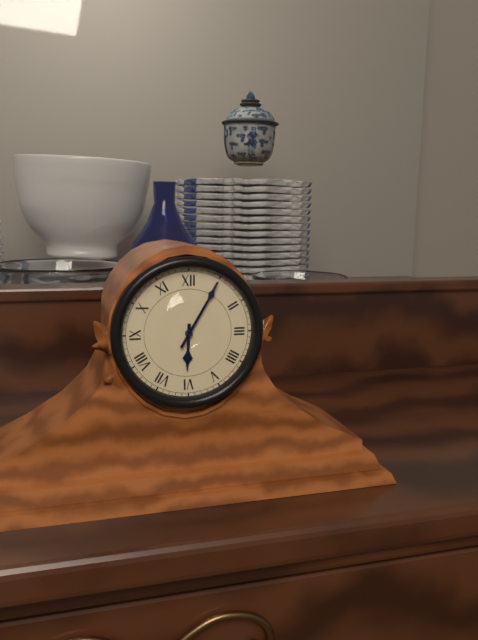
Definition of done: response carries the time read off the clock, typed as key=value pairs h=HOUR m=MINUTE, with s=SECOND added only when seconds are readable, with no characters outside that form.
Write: h=6 m=5
